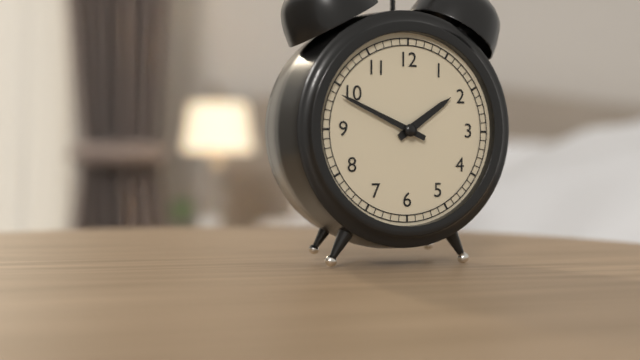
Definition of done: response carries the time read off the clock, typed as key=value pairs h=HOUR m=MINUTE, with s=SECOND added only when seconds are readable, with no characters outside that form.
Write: h=1 m=49
